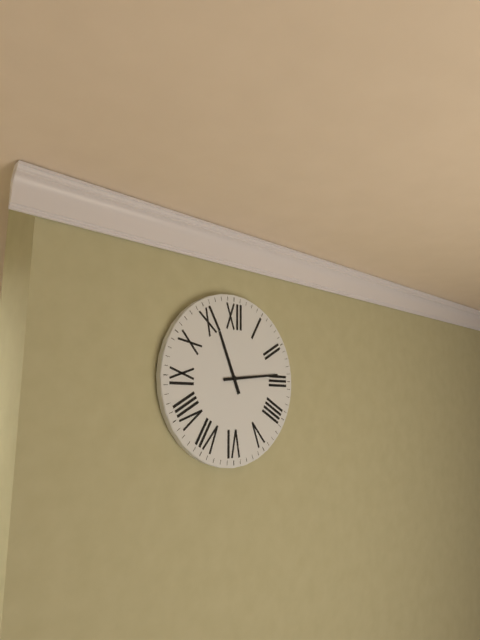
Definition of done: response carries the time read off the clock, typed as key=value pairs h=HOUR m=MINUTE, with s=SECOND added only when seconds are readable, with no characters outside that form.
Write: h=11 m=14
